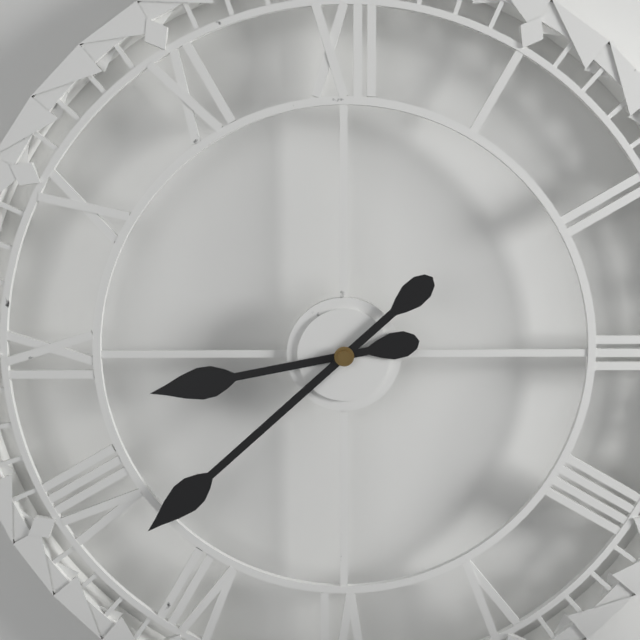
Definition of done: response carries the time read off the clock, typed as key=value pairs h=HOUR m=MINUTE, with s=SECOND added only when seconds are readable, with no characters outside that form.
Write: h=8 m=38
